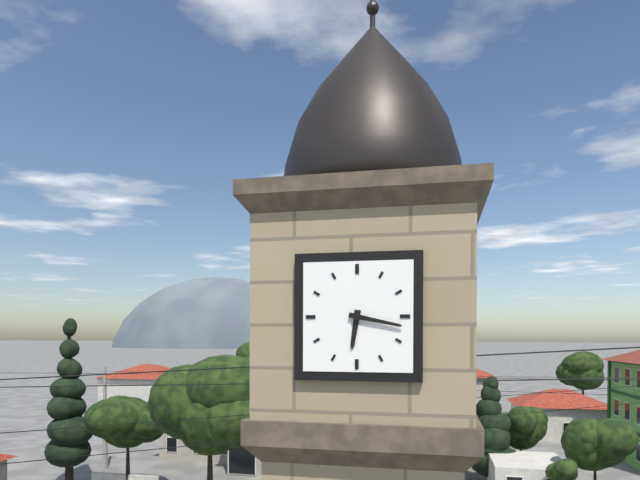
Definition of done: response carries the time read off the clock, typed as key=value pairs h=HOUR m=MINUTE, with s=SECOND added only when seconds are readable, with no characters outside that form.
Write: h=6 m=17
